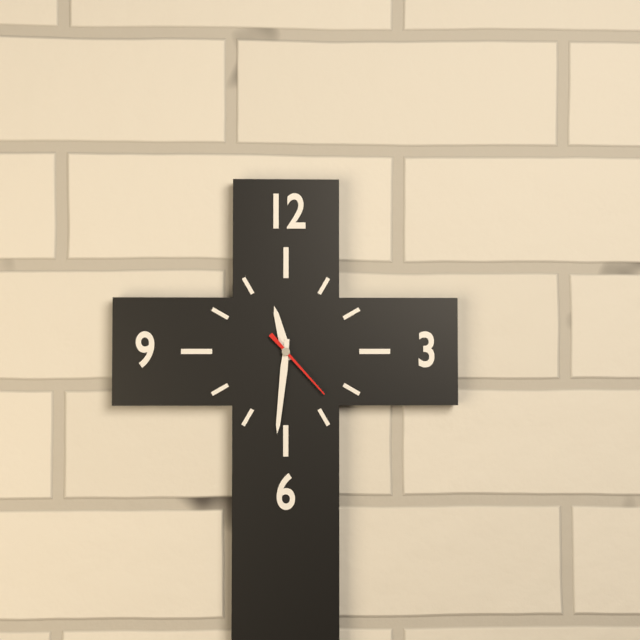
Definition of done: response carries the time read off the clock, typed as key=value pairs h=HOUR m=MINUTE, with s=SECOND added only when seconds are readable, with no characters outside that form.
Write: h=11 m=31 s=23
